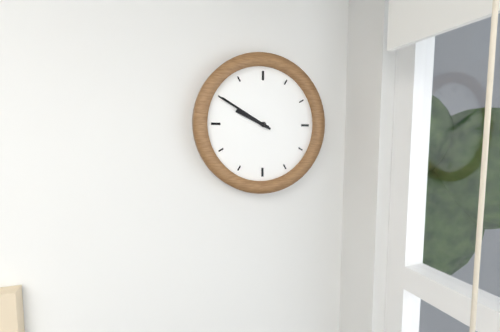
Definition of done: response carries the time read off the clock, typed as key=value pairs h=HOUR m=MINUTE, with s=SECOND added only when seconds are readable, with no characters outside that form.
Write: h=9 m=50
